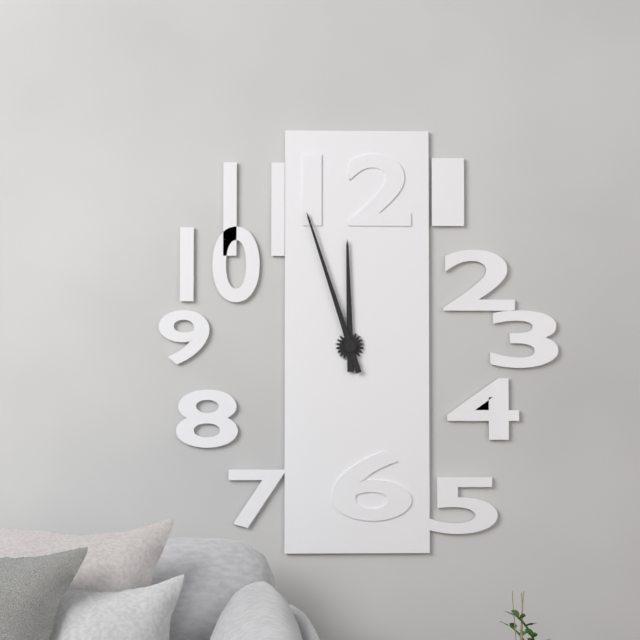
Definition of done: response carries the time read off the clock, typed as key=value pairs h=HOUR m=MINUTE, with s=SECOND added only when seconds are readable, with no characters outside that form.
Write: h=11 m=57
